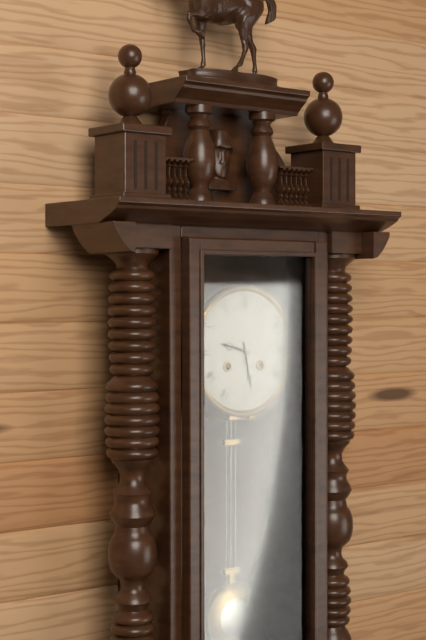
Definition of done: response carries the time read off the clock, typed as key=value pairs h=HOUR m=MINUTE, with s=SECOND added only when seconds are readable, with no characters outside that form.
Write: h=9 m=28
